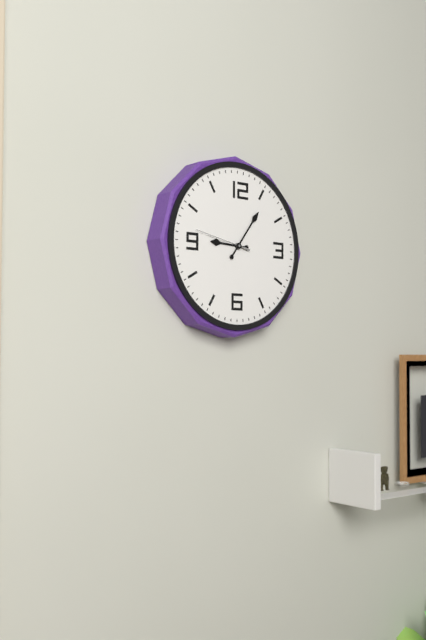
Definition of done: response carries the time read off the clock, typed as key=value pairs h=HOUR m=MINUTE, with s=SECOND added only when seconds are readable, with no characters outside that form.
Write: h=9 m=6 s=47
